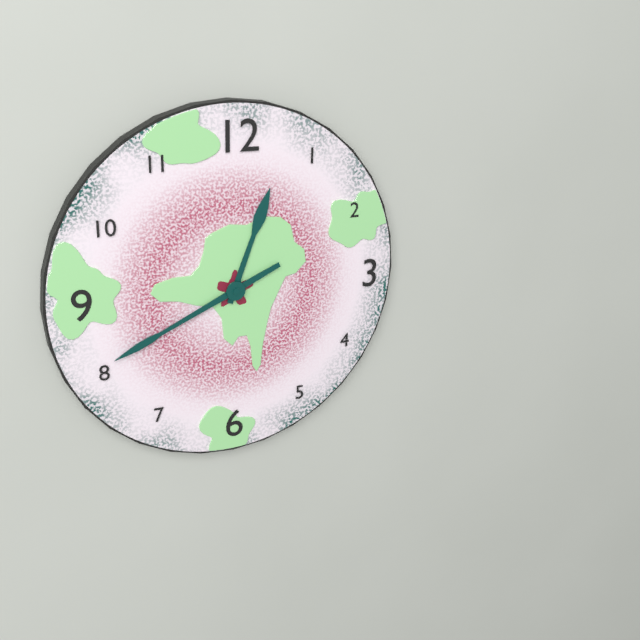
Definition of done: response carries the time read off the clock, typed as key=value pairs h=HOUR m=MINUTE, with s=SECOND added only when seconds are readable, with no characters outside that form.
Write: h=12 m=41
